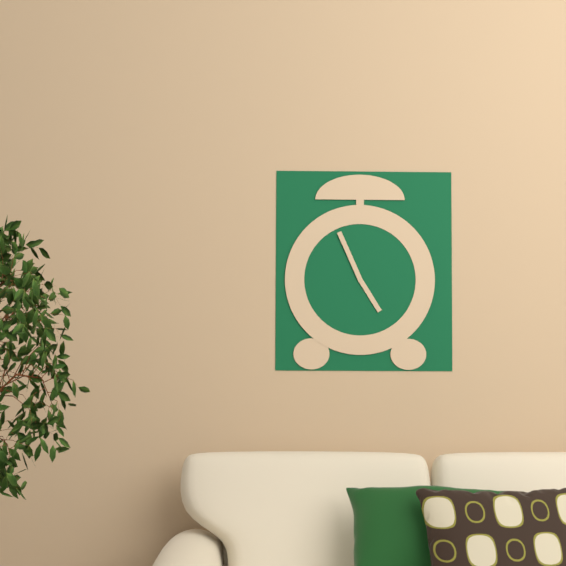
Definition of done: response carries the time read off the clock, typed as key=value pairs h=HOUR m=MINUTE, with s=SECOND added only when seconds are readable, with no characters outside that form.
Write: h=4 m=56
